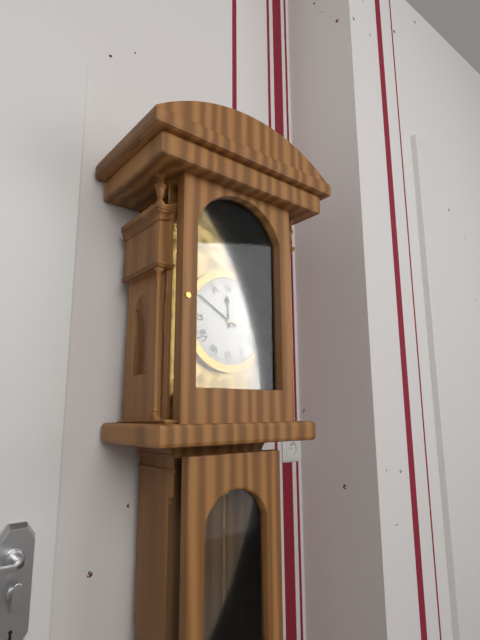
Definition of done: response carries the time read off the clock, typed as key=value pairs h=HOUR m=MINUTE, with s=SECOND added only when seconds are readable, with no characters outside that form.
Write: h=11 m=50
